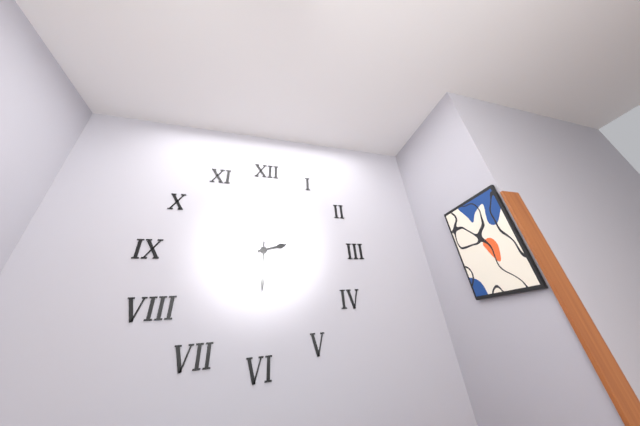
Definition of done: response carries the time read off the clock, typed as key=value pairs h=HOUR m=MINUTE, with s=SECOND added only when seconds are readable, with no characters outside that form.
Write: h=2 m=30
